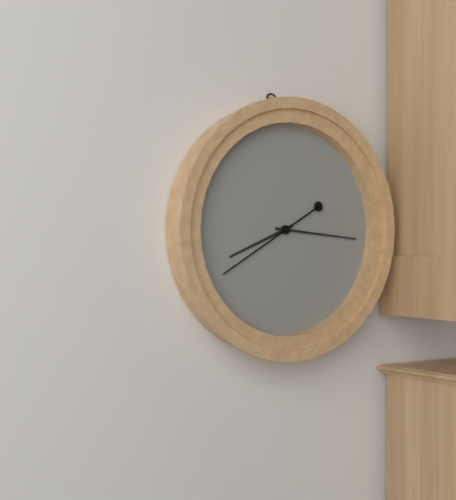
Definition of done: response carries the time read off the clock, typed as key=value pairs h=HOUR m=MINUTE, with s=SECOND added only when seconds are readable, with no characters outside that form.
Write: h=8 m=16 s=40
